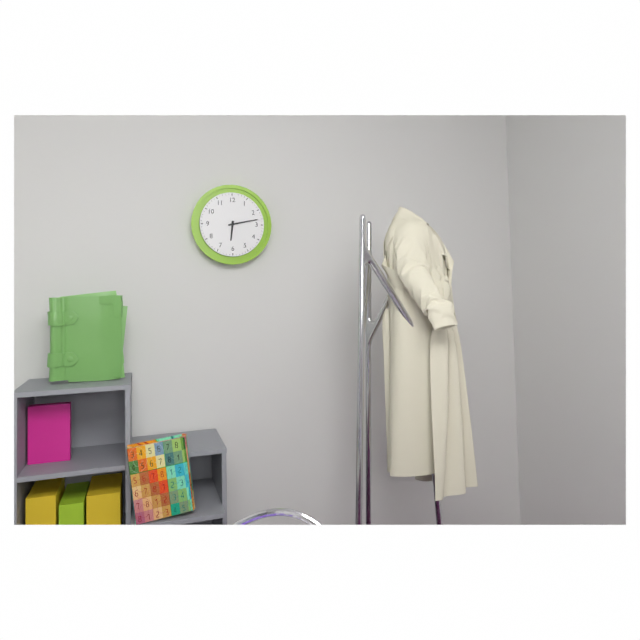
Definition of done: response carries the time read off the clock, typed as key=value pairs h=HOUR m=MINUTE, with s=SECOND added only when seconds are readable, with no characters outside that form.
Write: h=6 m=13
